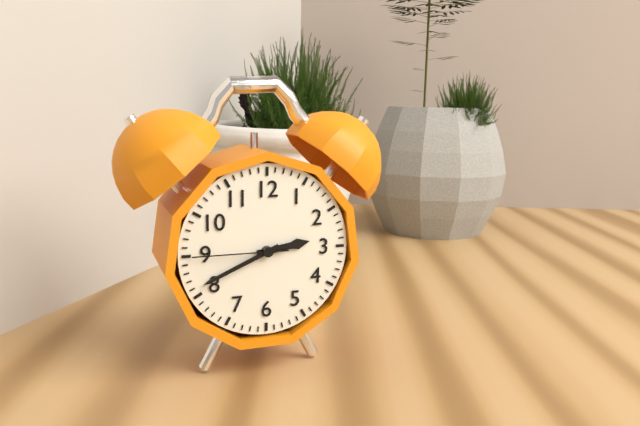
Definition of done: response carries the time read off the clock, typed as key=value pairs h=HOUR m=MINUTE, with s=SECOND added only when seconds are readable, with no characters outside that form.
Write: h=2 m=41 s=45
